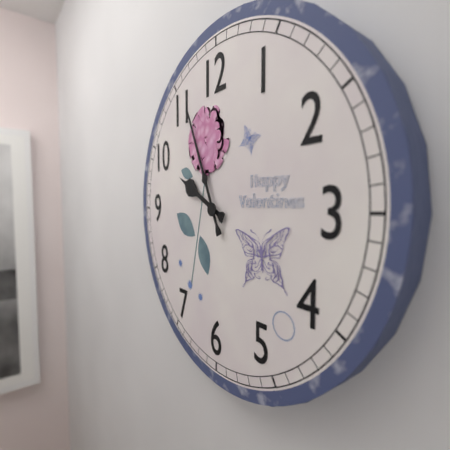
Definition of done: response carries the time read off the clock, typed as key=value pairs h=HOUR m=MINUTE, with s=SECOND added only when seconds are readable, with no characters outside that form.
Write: h=9 m=56
